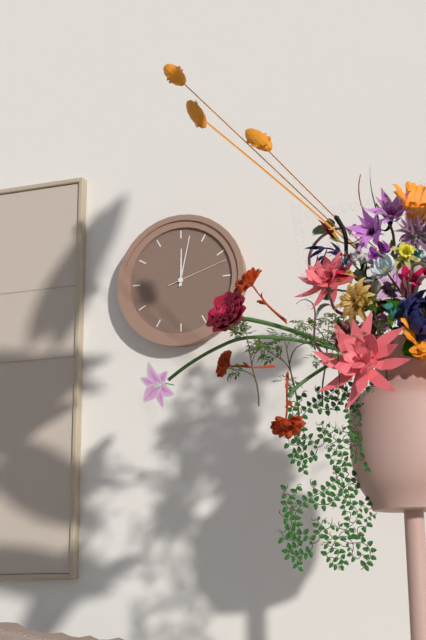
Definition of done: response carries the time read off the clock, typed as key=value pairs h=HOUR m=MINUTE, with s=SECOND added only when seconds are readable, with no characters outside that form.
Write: h=12 m=2 s=12
